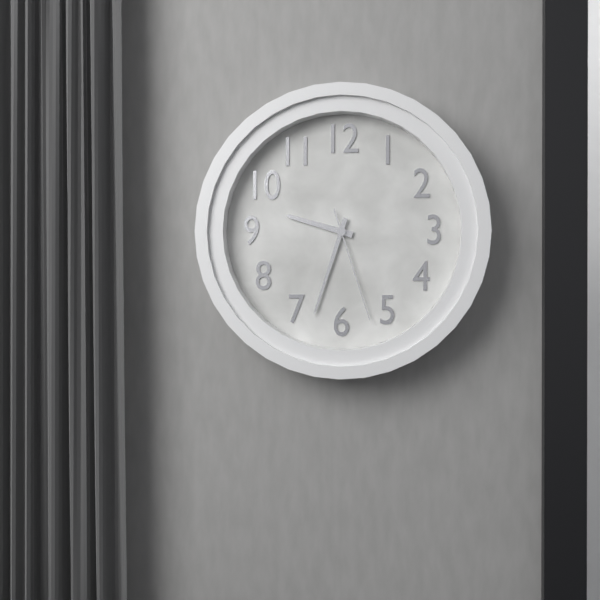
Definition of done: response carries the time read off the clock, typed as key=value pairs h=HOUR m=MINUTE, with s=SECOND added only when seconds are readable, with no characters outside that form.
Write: h=9 m=33 s=27
